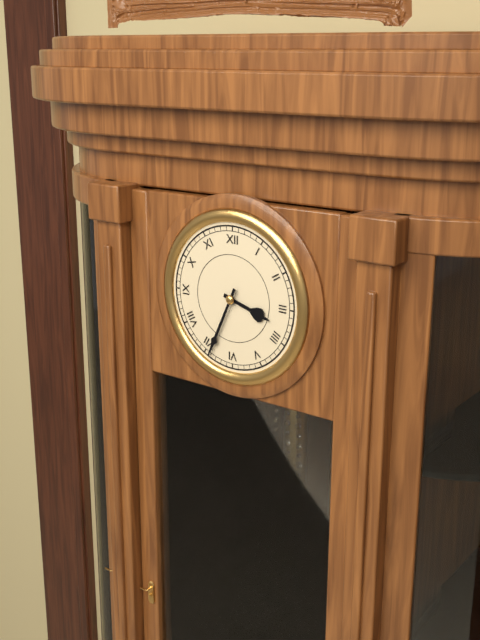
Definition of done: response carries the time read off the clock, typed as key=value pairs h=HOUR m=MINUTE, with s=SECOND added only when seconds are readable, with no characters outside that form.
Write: h=3 m=34
